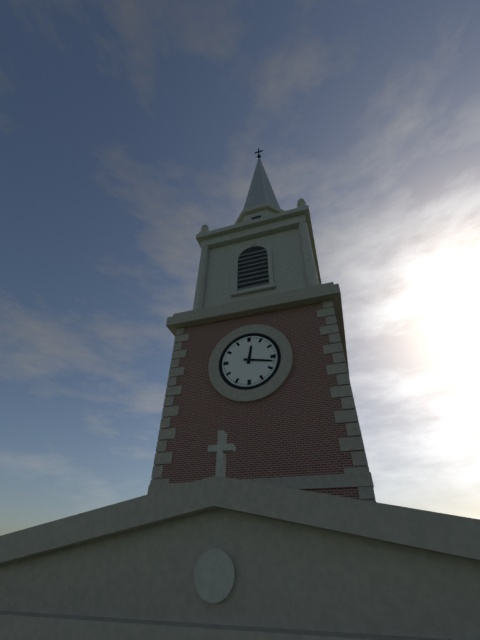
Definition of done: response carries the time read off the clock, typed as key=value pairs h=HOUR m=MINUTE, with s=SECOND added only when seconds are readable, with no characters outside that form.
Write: h=12 m=17
